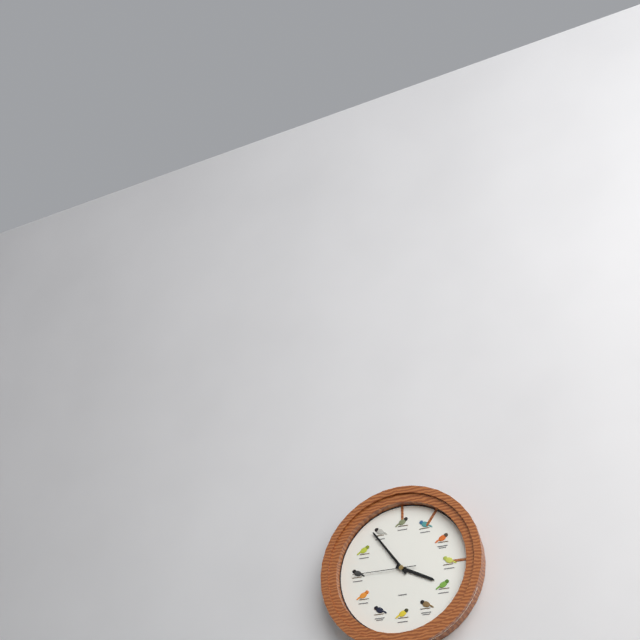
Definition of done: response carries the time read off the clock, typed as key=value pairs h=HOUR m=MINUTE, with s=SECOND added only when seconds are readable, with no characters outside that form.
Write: h=3 m=54 s=45
